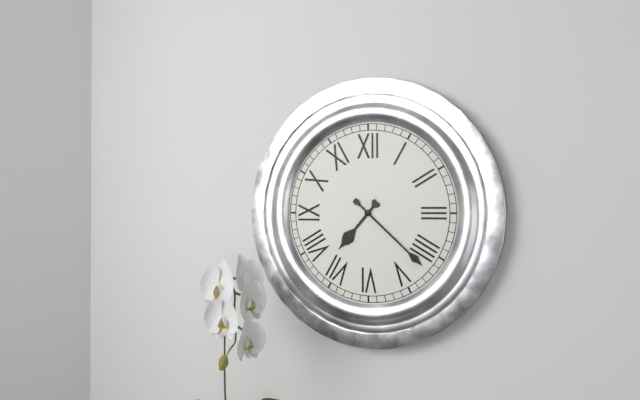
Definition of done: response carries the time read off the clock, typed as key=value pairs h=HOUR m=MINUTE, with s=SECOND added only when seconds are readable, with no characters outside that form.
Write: h=7 m=22
